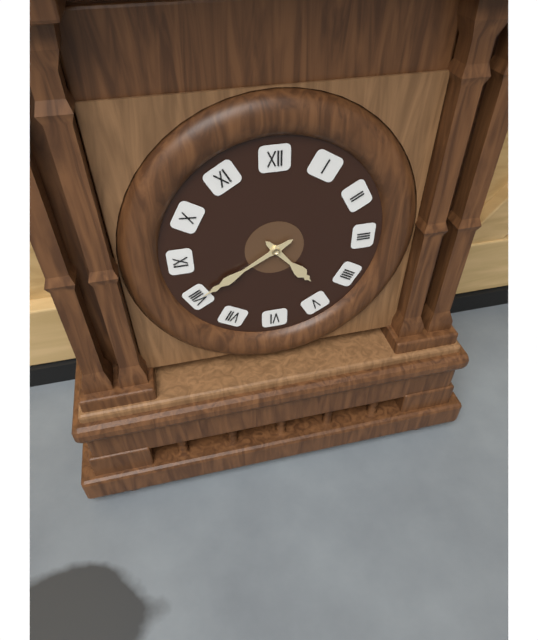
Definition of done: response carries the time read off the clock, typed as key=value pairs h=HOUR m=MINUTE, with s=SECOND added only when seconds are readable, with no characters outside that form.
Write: h=4 m=40
